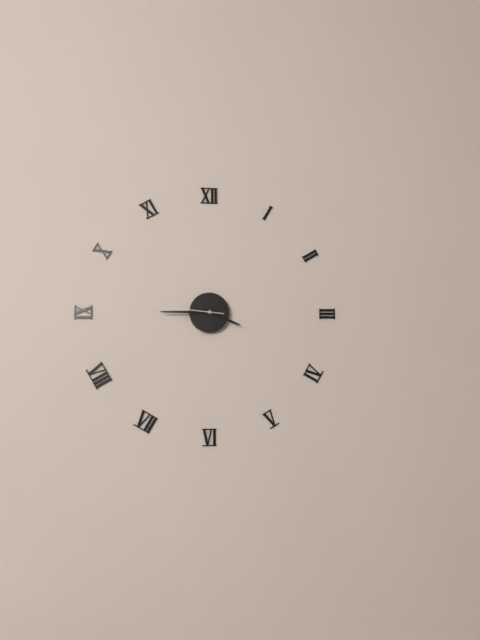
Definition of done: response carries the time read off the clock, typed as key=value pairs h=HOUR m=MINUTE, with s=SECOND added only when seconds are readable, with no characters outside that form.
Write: h=3 m=45 s=46
